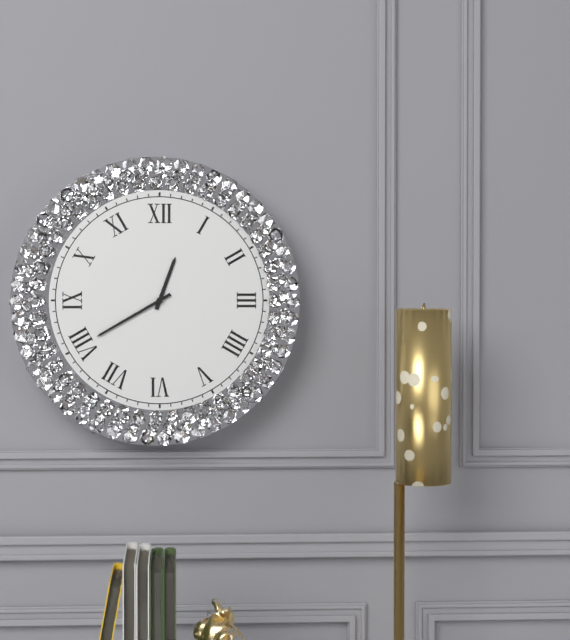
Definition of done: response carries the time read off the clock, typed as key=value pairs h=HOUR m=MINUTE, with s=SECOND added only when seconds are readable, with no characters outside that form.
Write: h=12 m=40
